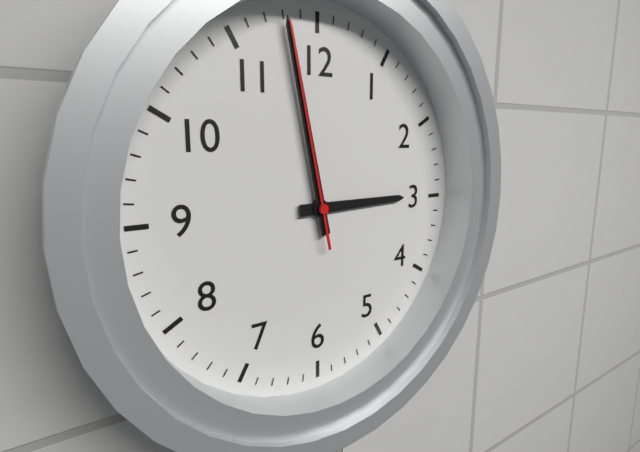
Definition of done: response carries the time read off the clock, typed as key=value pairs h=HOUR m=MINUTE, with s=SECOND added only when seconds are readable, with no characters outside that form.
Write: h=2 m=58 s=58
